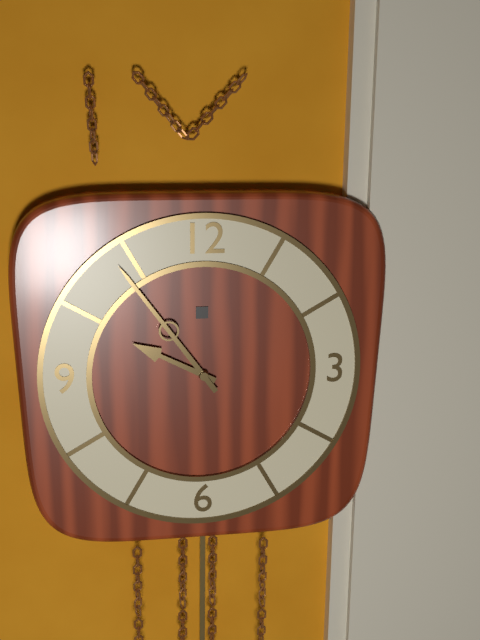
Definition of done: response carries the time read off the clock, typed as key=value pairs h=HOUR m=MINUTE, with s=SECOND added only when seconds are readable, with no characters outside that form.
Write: h=9 m=54
